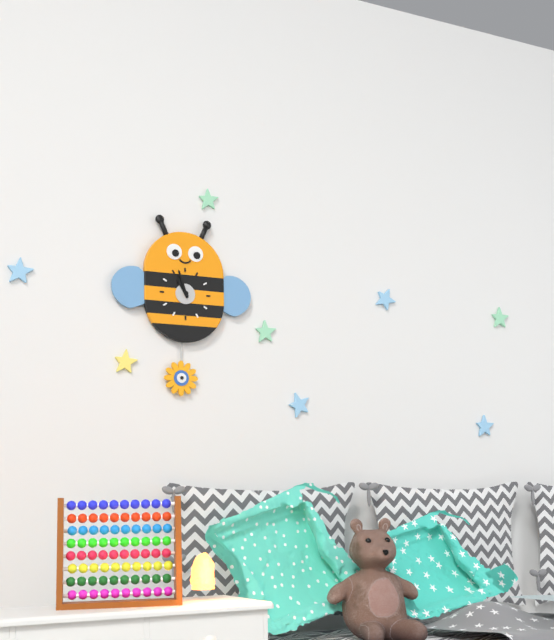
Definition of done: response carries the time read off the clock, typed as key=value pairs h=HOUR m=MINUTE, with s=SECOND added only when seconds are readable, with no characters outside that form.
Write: h=10 m=57
